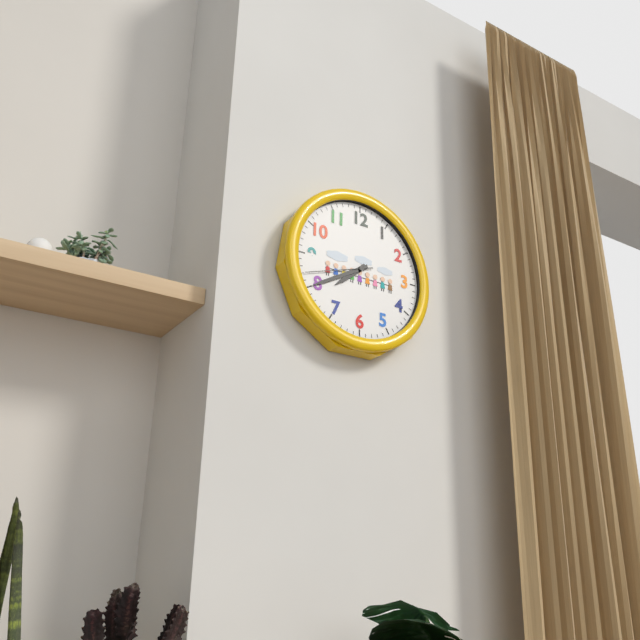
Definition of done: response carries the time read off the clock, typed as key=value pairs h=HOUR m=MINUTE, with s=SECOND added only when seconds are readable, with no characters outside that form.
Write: h=7 m=40 s=42
